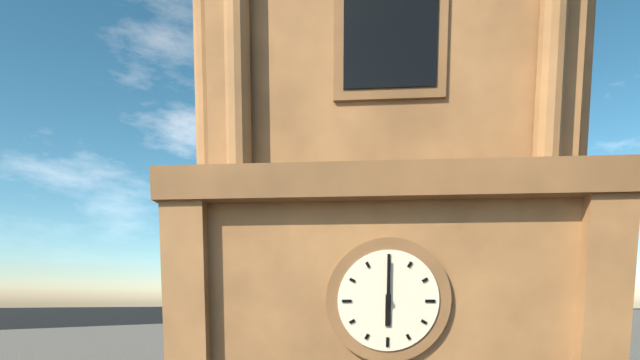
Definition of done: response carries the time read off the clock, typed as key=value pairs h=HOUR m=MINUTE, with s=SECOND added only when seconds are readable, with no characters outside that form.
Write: h=6 m=0
